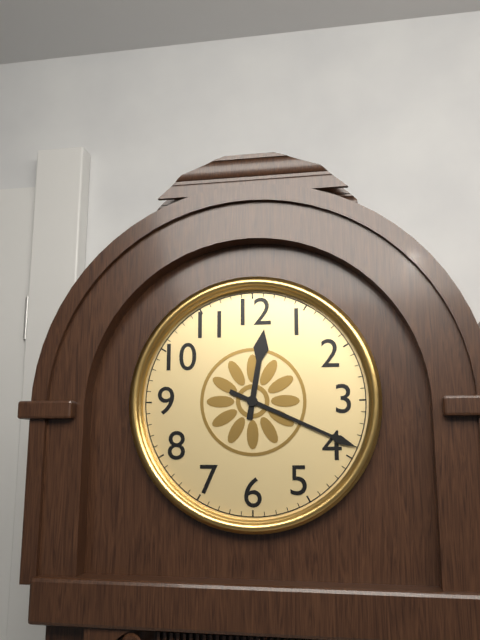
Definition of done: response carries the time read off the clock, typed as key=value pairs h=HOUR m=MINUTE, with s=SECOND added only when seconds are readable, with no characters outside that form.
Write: h=12 m=19
